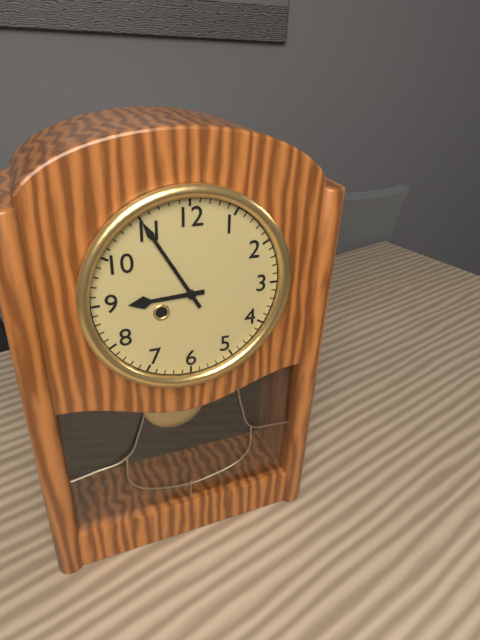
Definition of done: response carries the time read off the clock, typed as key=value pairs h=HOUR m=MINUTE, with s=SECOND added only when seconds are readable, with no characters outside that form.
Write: h=8 m=55
